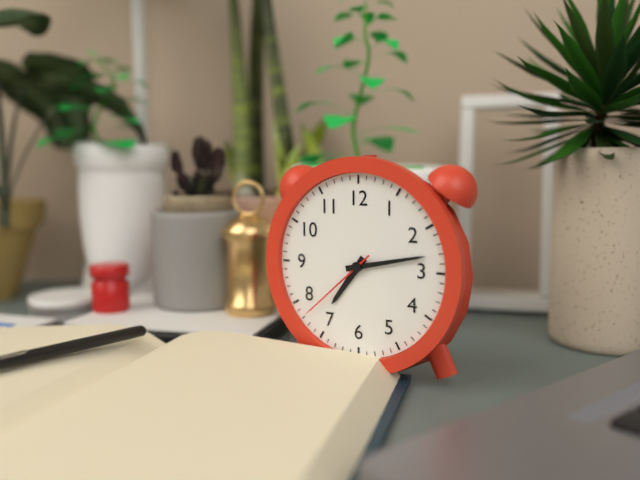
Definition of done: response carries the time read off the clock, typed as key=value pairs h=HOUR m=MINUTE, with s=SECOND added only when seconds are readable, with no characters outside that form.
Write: h=7 m=13 s=38
